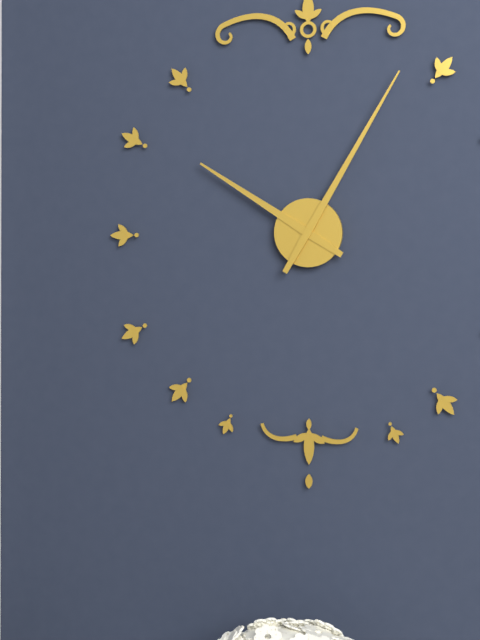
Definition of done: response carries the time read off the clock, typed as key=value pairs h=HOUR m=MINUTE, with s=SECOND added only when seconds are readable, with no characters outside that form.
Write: h=10 m=5
